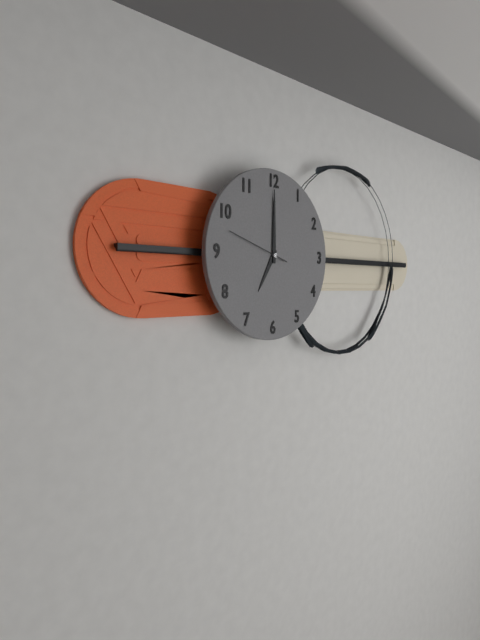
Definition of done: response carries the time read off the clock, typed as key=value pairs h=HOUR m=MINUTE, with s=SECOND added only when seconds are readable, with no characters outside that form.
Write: h=7 m=0 s=48
